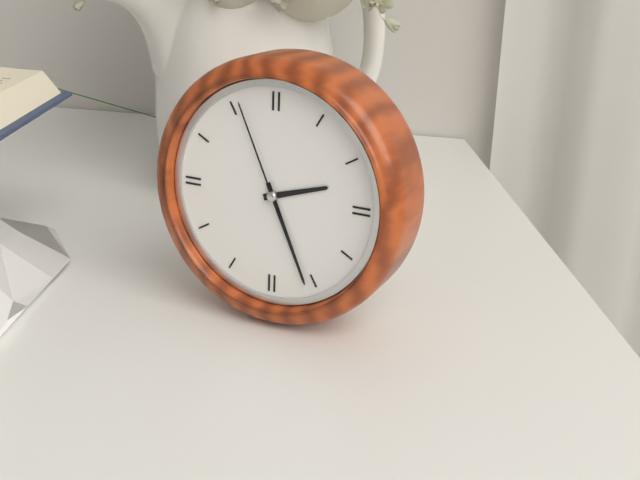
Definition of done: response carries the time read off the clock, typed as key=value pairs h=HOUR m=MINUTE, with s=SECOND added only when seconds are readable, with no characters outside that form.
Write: h=2 m=26 s=56
